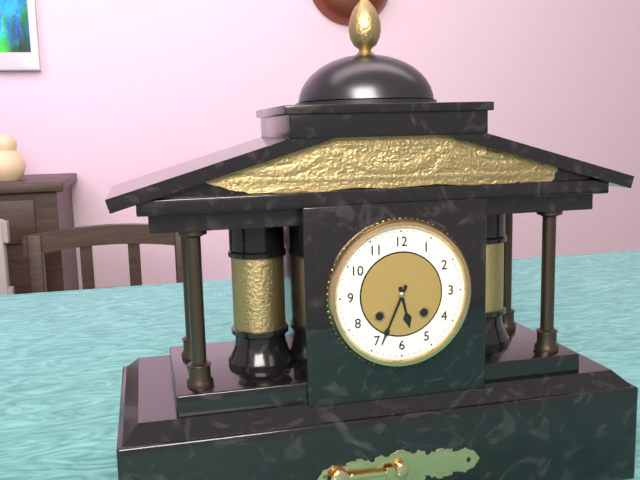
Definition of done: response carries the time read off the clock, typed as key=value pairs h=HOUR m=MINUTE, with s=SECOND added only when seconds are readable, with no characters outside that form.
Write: h=5 m=34
